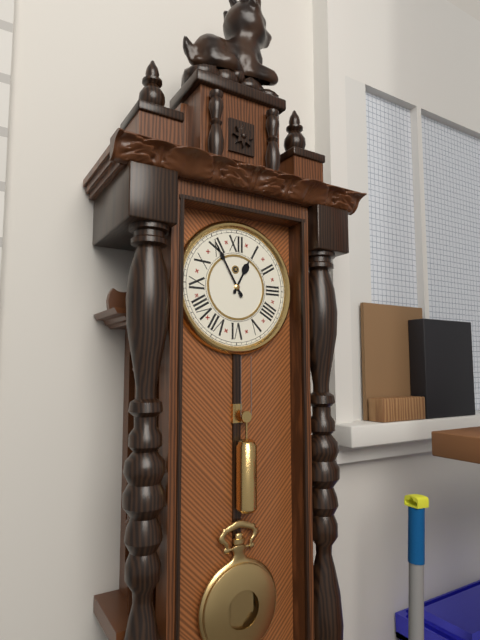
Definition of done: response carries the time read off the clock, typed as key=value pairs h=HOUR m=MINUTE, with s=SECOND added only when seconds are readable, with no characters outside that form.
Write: h=12 m=55
